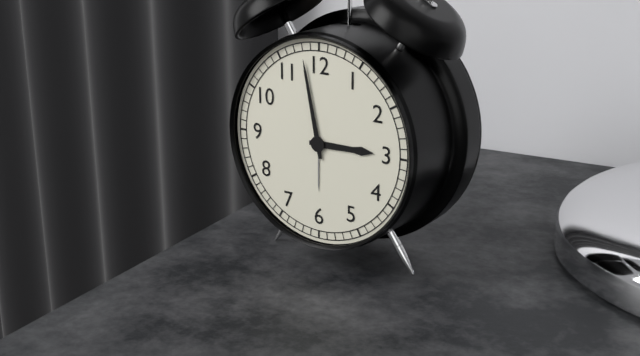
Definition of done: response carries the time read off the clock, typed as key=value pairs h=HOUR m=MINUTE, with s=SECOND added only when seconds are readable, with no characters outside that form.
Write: h=2 m=58
